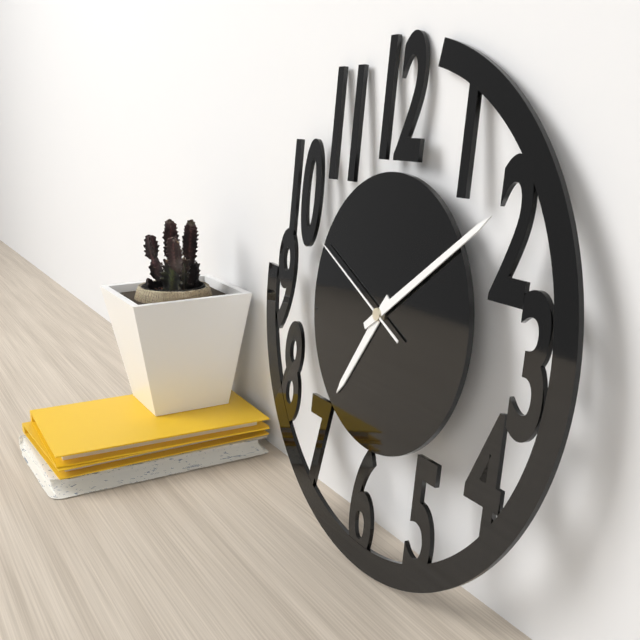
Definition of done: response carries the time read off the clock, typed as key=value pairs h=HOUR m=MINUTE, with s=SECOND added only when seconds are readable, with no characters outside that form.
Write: h=7 m=9 s=49
